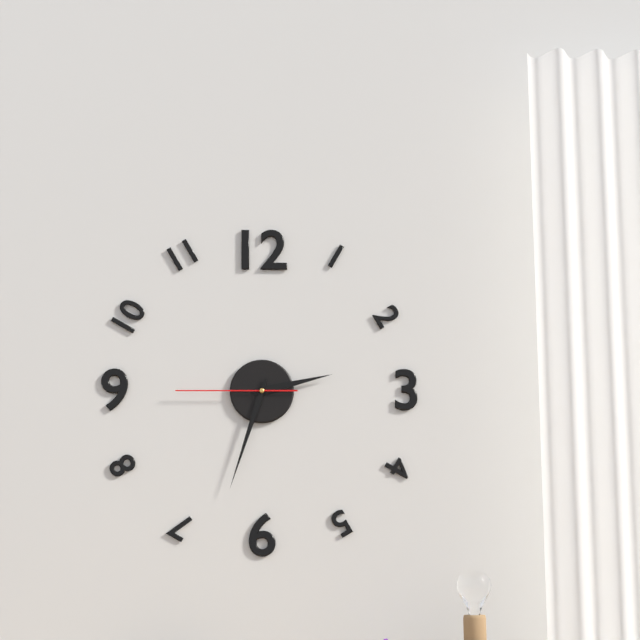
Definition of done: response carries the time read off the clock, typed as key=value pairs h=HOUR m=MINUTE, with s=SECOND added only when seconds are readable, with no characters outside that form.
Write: h=2 m=33 s=45
